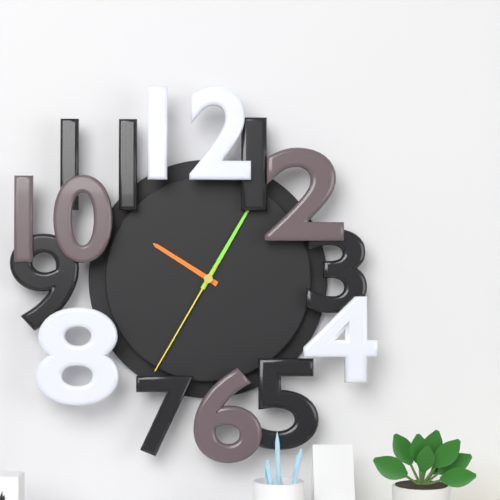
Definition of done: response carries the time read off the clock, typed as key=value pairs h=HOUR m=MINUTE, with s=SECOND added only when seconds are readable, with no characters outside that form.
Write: h=10 m=5 s=35
